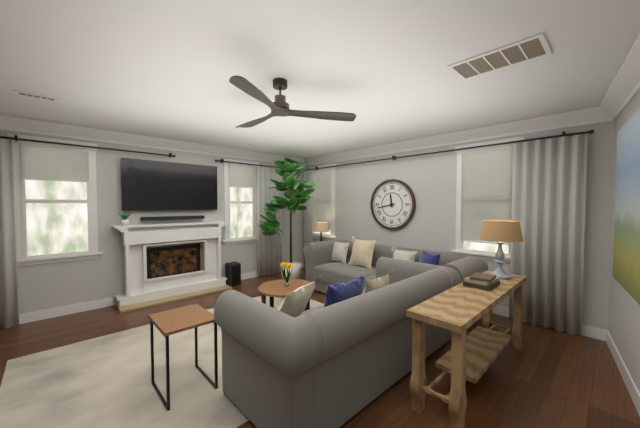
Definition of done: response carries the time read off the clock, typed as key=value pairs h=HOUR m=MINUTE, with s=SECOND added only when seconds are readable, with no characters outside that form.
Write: h=11 m=43
